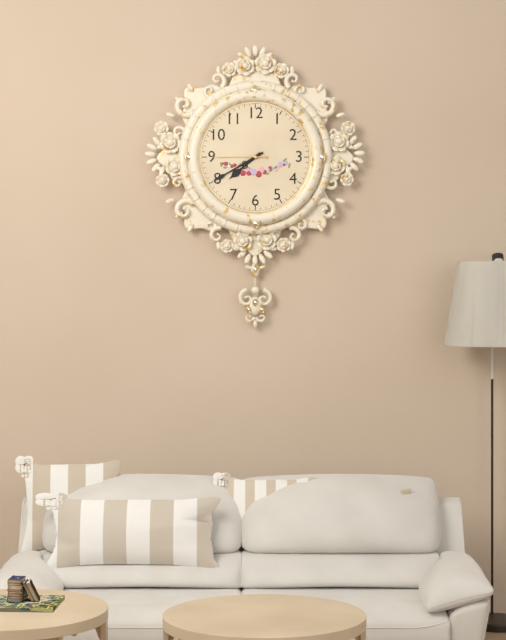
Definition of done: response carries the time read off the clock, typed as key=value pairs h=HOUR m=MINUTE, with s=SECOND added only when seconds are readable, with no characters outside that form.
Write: h=7 m=40 s=45
